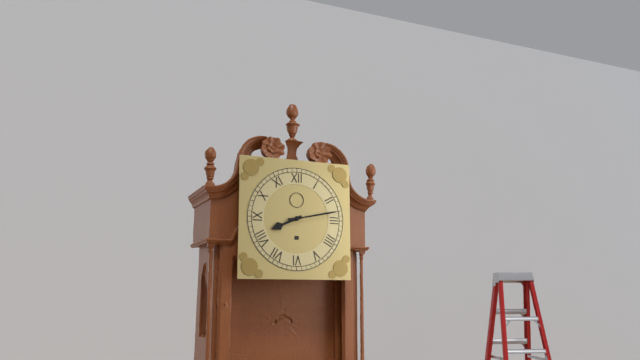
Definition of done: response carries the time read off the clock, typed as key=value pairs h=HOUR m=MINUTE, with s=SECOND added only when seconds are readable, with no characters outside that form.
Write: h=8 m=13
